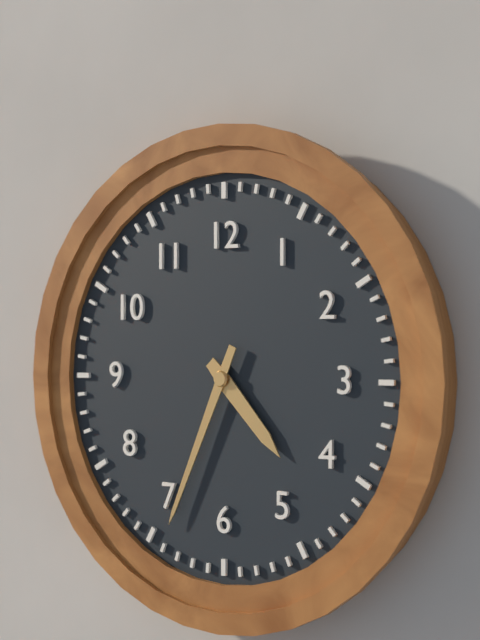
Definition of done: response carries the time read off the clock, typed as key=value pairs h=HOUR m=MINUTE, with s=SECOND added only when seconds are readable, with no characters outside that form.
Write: h=4 m=34
